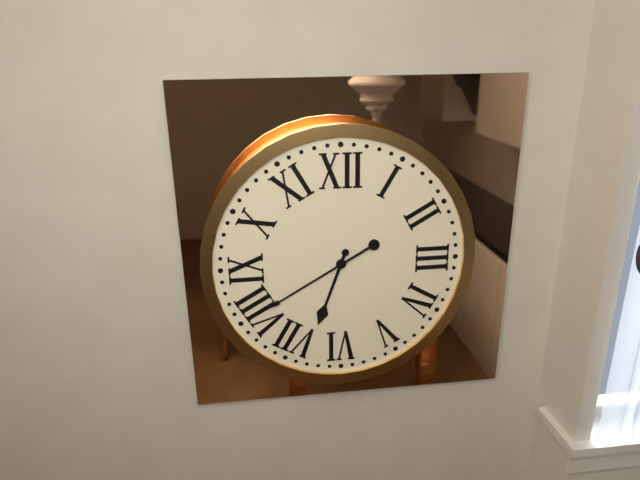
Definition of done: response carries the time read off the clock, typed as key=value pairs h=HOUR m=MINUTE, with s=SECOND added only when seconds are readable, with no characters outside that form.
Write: h=6 m=40
